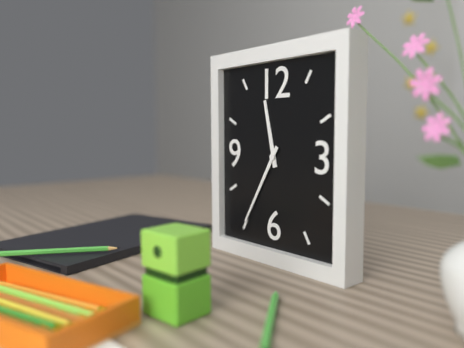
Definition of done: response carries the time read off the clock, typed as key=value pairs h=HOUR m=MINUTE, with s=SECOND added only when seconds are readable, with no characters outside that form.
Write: h=11 m=35
